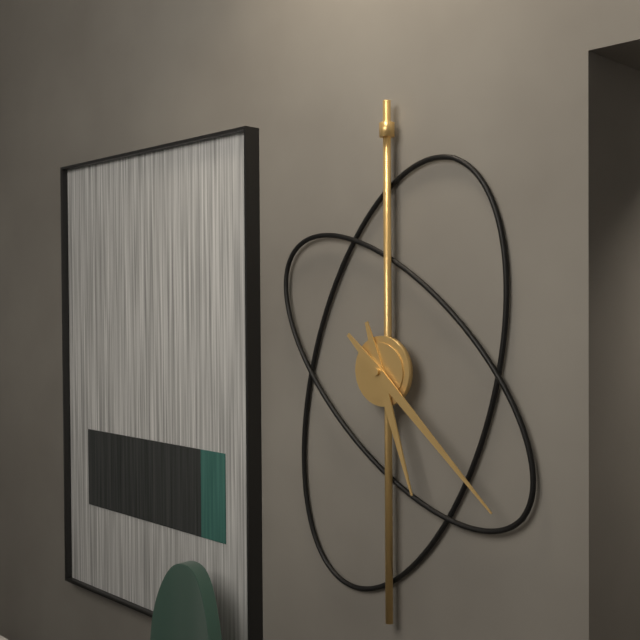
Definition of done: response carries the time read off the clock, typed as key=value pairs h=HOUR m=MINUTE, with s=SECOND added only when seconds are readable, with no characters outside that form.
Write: h=5 m=22
